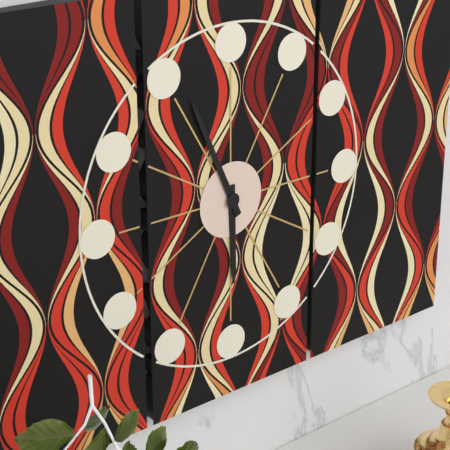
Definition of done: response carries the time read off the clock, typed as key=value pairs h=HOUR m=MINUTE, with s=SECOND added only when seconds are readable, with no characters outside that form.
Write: h=5 m=56
